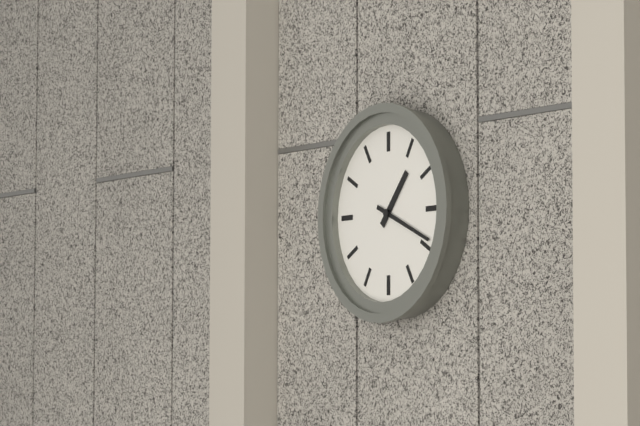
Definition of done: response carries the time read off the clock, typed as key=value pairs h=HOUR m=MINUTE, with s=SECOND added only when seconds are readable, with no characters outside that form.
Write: h=1 m=19
